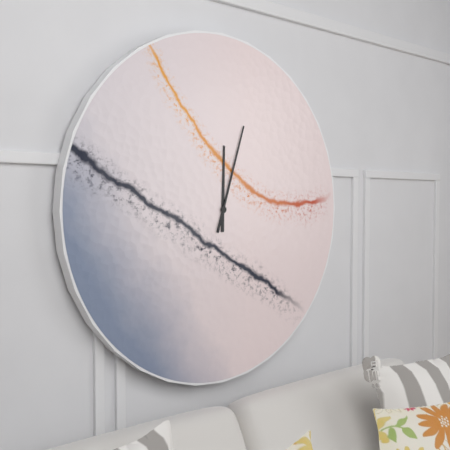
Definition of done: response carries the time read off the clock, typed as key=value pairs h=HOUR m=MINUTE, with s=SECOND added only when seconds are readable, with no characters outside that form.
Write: h=12 m=3
